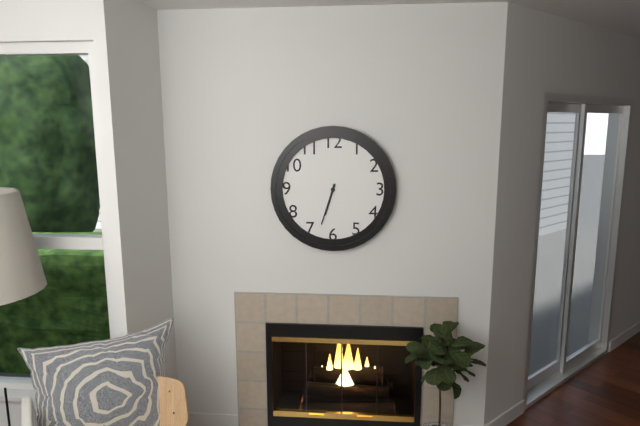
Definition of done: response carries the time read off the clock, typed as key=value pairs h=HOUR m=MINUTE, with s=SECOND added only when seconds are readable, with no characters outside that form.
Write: h=6 m=33
